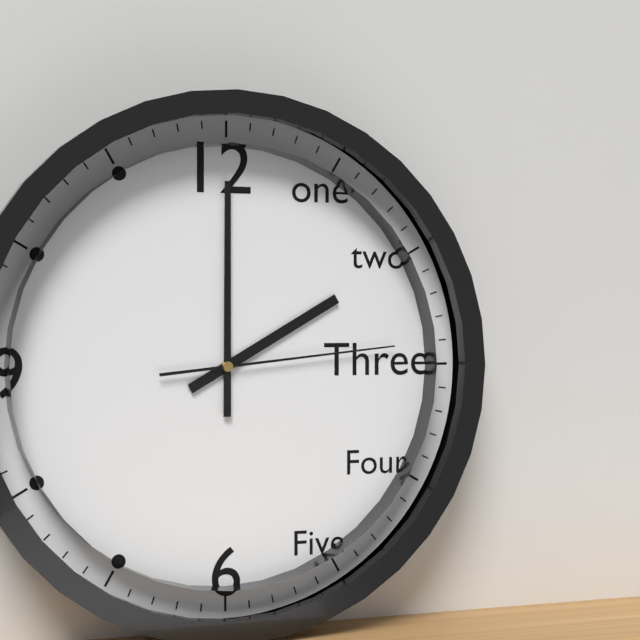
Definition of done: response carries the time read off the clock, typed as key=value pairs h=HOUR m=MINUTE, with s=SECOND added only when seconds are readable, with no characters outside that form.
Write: h=2 m=0 s=14
